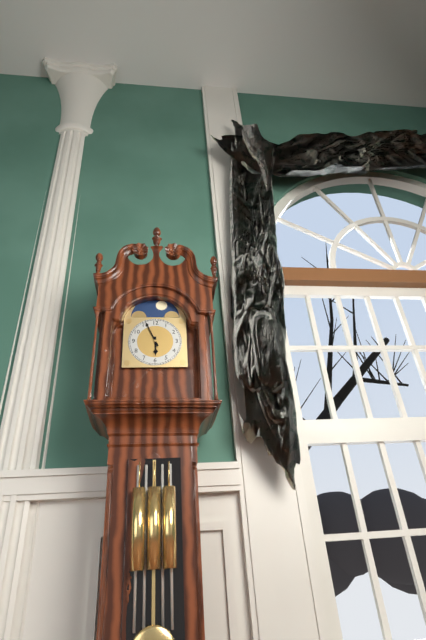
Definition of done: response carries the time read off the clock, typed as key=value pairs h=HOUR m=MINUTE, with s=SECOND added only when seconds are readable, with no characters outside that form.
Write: h=5 m=56
